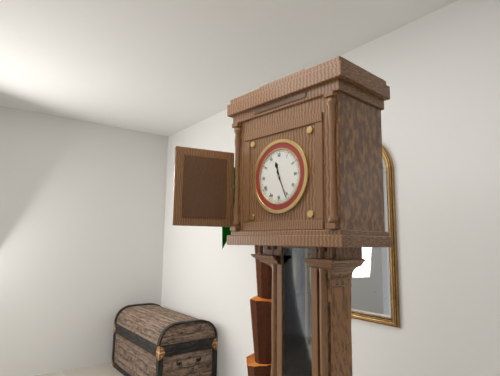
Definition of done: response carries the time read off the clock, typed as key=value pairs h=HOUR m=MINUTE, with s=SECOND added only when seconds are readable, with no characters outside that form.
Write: h=11 m=26
